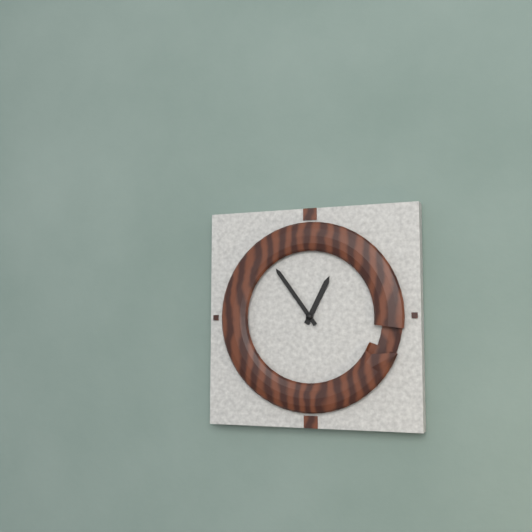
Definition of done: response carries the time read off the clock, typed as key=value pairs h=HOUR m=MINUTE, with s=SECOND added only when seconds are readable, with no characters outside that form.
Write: h=12 m=54
